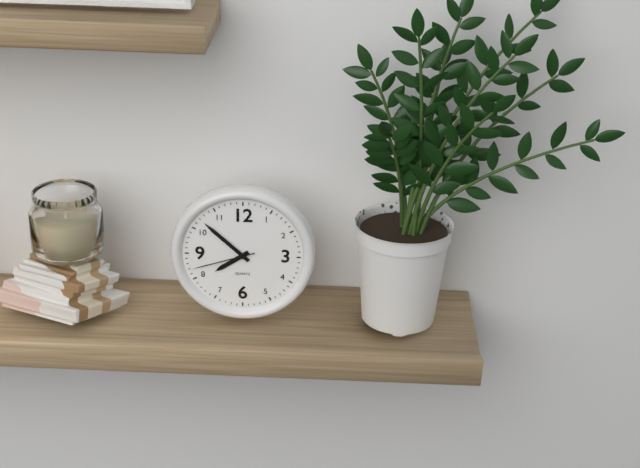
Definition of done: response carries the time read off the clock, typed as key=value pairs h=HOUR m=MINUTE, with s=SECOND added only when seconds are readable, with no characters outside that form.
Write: h=7 m=52 s=42
